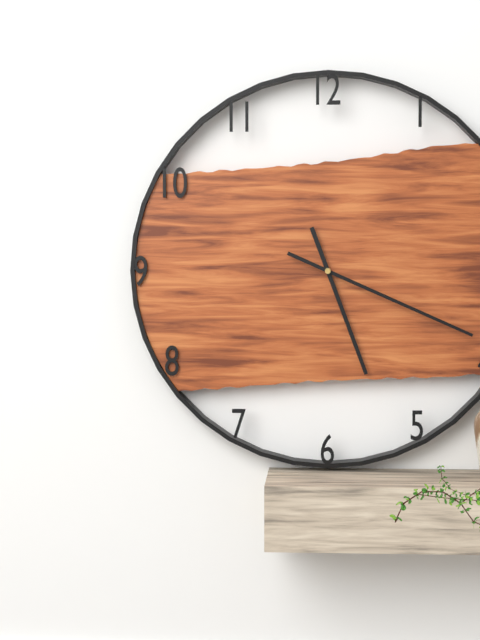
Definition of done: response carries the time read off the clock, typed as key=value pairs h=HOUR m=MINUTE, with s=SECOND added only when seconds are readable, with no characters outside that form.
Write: h=5 m=19
